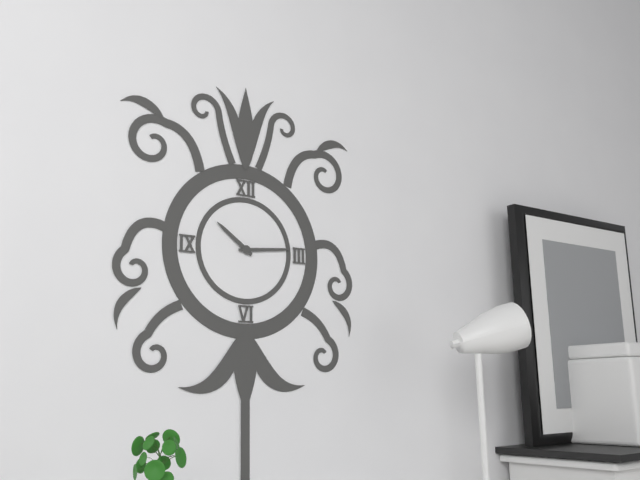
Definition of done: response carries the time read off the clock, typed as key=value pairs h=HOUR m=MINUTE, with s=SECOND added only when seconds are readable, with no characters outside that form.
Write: h=10 m=14
